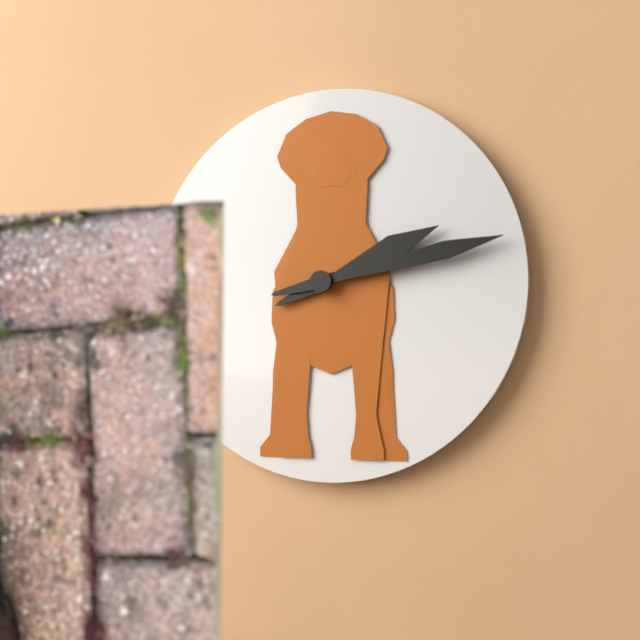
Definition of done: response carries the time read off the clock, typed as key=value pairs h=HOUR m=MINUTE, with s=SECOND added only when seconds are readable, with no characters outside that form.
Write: h=2 m=13
